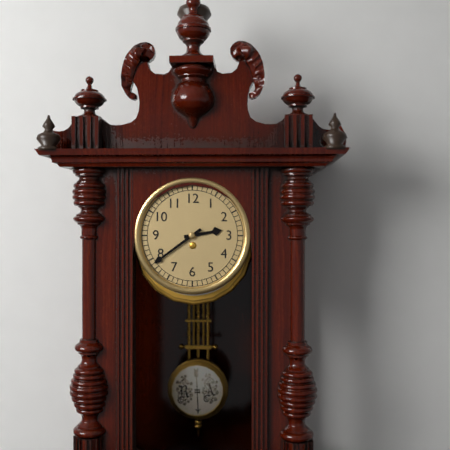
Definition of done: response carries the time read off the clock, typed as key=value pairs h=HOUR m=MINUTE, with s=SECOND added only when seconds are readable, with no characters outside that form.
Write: h=2 m=39
